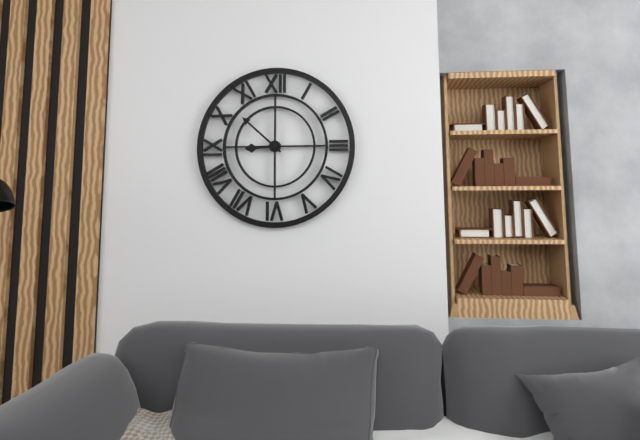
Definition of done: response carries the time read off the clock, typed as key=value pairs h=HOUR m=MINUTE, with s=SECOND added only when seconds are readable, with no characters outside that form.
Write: h=8 m=52
